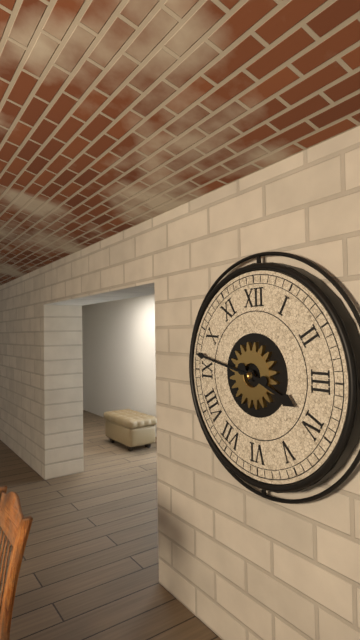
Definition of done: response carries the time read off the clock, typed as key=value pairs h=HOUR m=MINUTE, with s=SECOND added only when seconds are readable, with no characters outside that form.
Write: h=3 m=47
